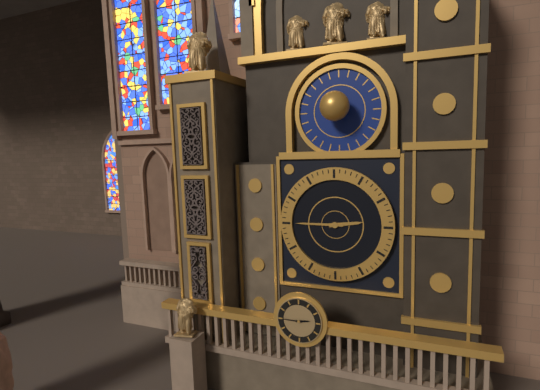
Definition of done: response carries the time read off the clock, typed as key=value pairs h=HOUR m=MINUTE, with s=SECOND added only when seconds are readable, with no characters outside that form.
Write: h=2 m=45
